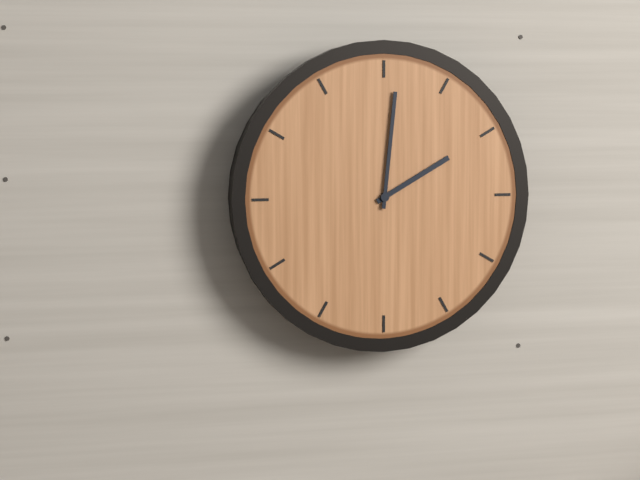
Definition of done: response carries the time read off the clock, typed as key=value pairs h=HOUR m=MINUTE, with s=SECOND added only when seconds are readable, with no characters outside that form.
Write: h=2 m=1
